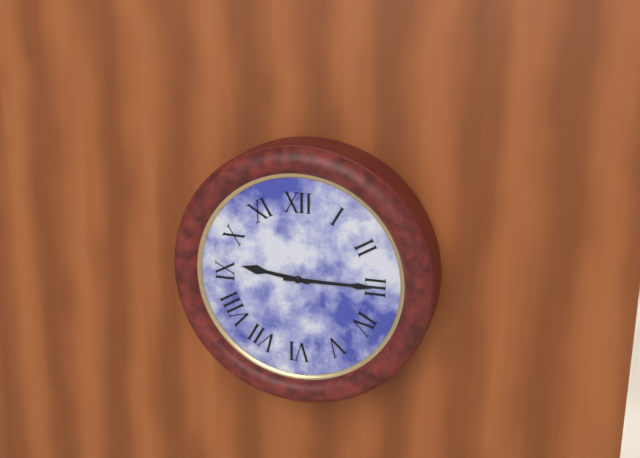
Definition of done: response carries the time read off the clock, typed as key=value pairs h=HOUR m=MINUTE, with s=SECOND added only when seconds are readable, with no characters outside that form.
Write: h=9 m=15
